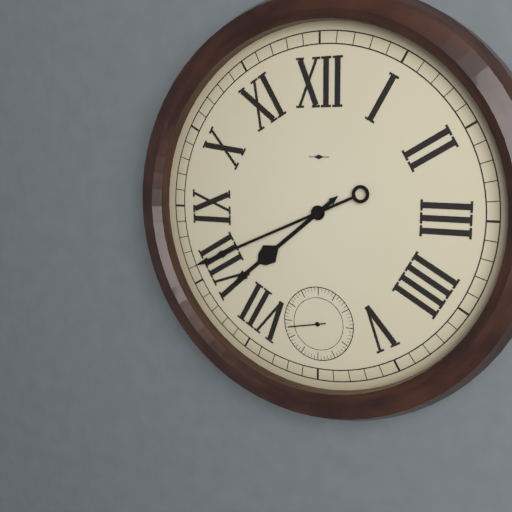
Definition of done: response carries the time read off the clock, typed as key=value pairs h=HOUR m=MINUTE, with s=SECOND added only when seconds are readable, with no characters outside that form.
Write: h=7 m=41
